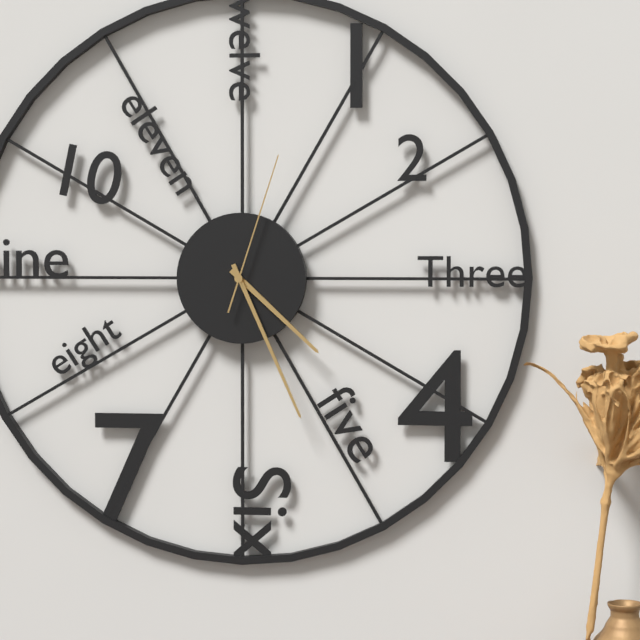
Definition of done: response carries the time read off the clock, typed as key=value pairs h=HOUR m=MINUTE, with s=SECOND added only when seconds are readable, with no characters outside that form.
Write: h=4 m=26 s=3
